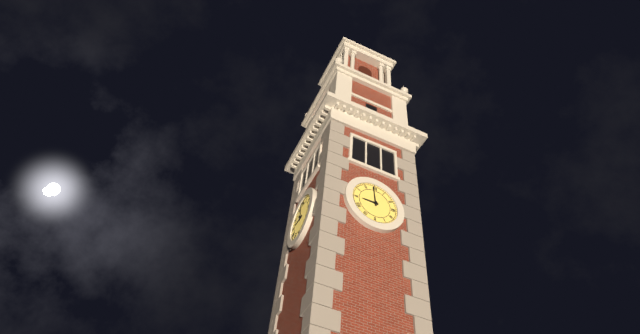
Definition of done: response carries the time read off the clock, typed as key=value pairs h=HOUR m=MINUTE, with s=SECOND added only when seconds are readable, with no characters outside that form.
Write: h=8 m=59
